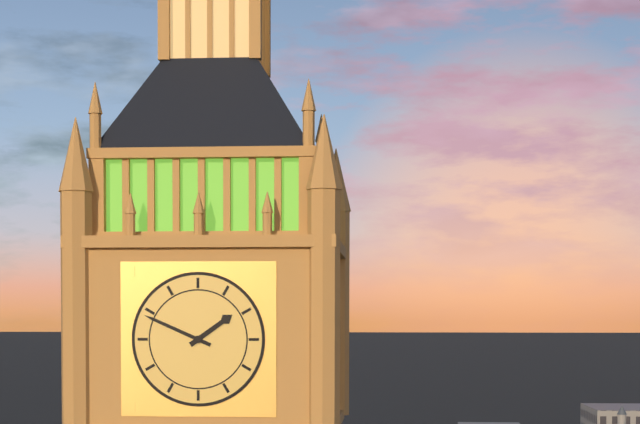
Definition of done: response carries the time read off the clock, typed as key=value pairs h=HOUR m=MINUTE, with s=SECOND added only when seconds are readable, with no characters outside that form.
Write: h=1 m=49
